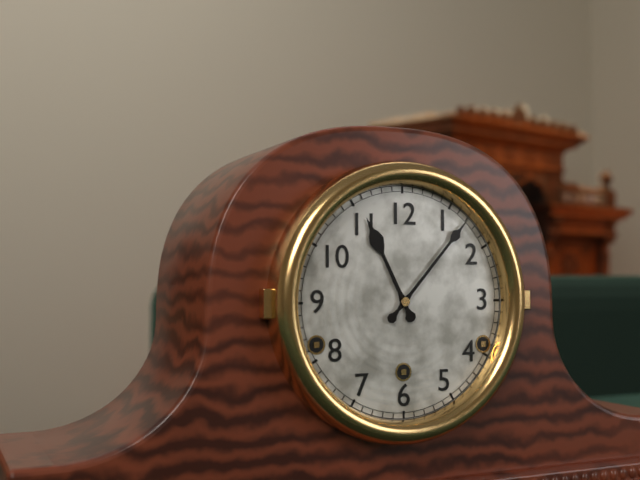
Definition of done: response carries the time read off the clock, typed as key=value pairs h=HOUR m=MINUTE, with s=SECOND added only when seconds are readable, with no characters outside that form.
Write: h=11 m=7
